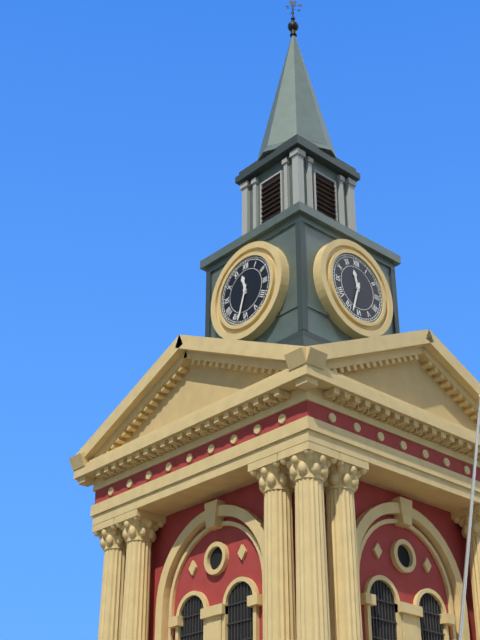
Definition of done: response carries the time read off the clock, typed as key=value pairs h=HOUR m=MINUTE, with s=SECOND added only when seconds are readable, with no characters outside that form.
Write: h=11 m=33
